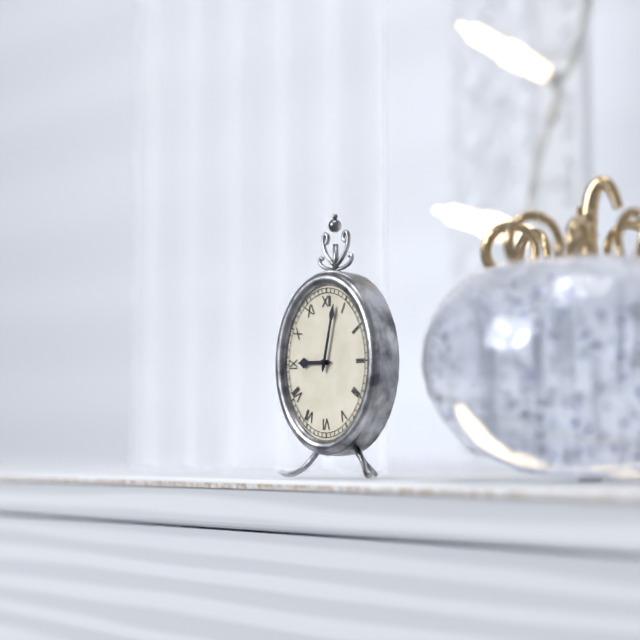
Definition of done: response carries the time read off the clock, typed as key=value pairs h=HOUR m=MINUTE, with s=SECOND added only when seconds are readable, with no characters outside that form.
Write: h=9 m=2
